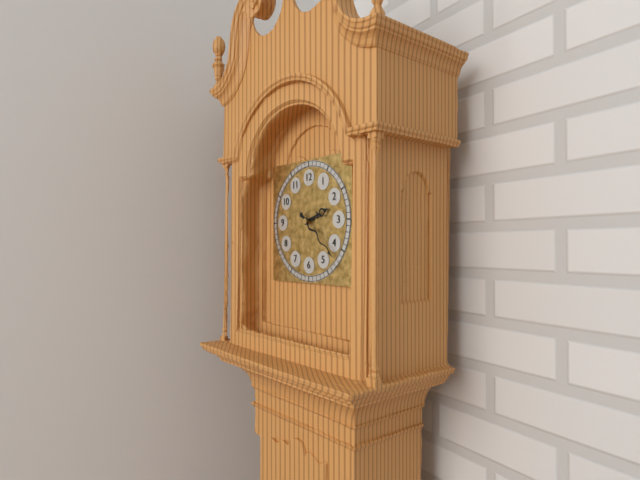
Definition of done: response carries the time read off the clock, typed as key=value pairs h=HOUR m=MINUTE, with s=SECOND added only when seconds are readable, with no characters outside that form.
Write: h=2 m=22
